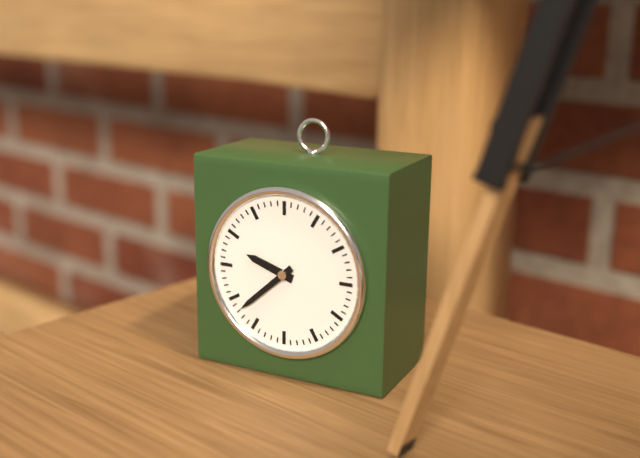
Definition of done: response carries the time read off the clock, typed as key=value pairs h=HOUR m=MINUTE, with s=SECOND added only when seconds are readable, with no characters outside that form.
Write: h=9 m=38
